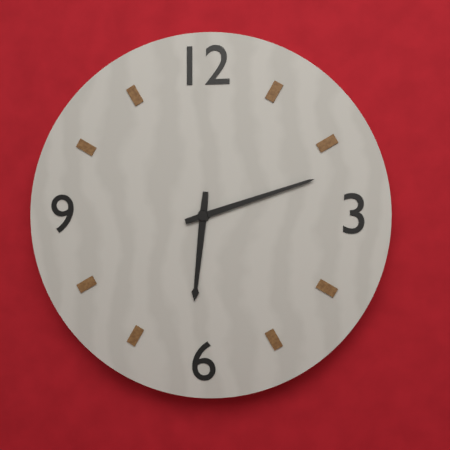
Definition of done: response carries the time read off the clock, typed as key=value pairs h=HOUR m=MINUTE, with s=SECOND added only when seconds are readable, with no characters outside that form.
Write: h=6 m=12
